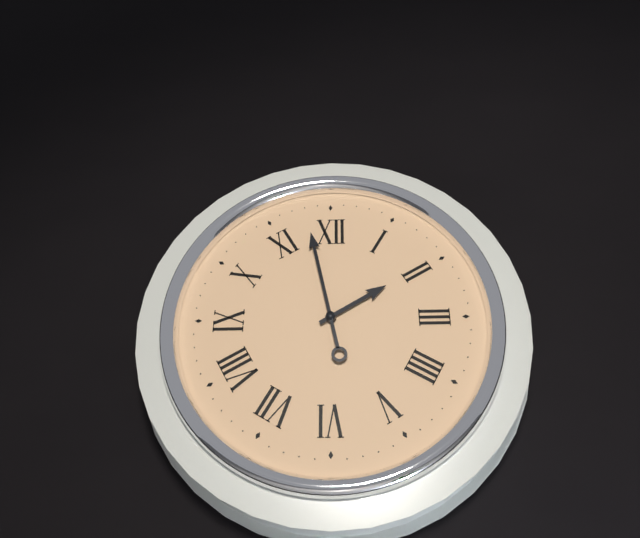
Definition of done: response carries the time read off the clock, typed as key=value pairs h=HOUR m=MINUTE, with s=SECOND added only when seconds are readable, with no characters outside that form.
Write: h=1 m=58
